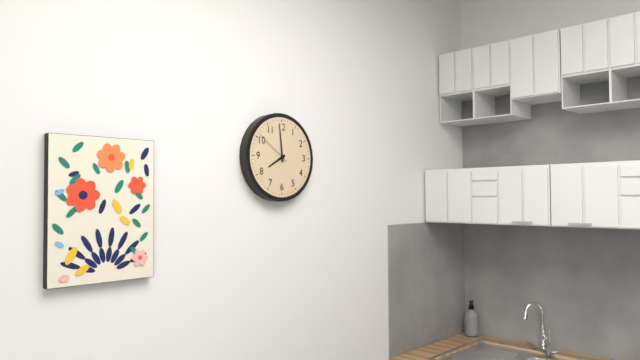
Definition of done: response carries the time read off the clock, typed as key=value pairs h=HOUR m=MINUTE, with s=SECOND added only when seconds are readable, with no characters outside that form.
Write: h=7 m=59
